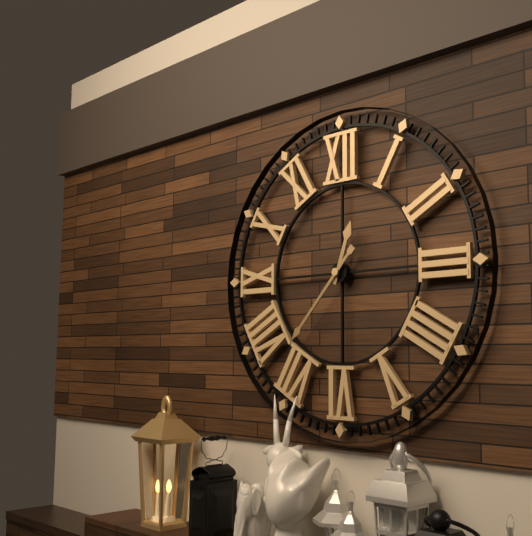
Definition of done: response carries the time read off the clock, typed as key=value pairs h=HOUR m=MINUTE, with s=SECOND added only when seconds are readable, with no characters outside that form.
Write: h=12 m=37
